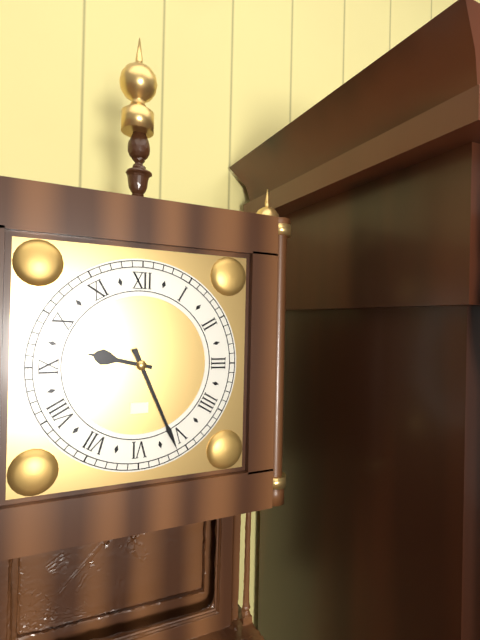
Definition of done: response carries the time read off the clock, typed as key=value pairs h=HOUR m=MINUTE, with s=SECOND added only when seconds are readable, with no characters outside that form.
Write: h=9 m=26
